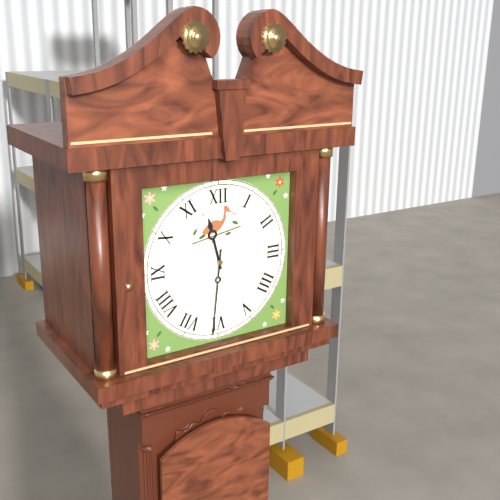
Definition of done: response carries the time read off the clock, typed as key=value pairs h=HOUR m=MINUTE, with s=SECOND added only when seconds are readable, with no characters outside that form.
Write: h=11 m=31
